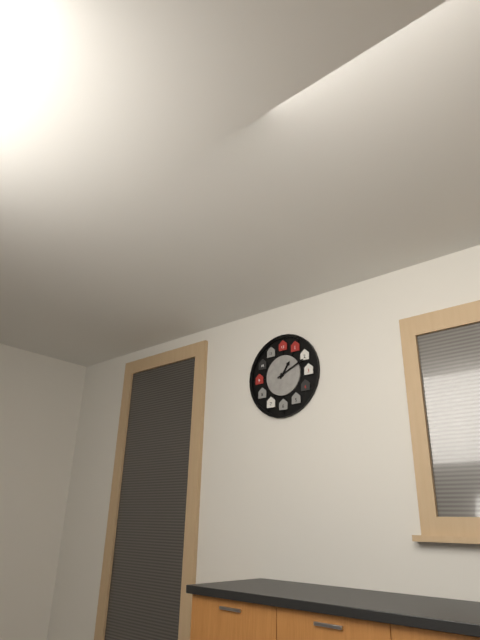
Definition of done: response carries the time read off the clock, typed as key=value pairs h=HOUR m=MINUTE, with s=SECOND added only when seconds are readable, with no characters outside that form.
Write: h=1 m=11
